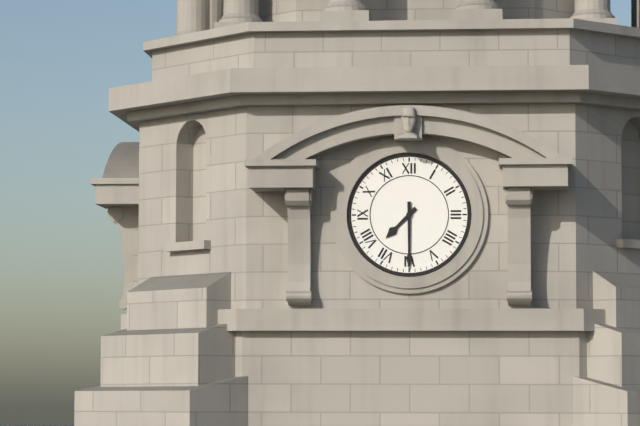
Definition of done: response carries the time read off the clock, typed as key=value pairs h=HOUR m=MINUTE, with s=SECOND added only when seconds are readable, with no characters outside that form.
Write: h=7 m=30
